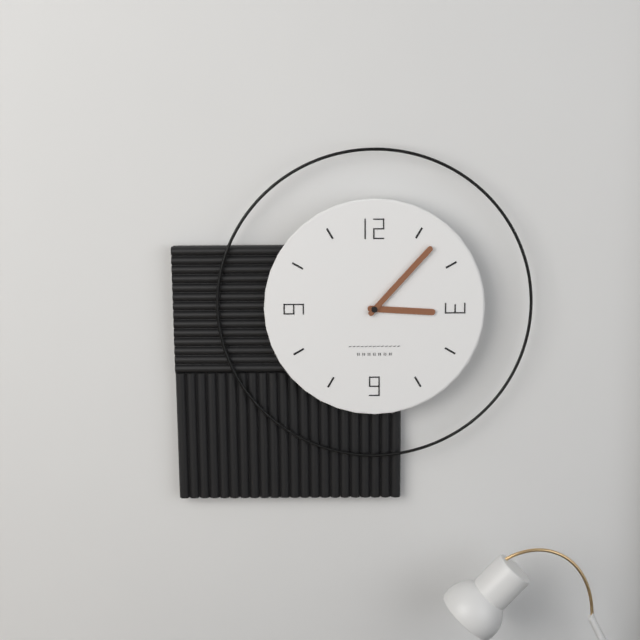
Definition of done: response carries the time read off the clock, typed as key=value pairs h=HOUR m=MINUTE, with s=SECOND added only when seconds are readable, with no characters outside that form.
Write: h=3 m=7
